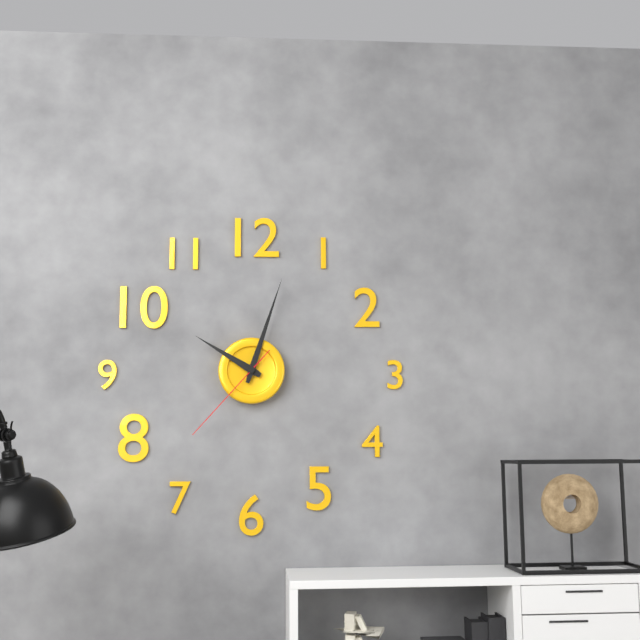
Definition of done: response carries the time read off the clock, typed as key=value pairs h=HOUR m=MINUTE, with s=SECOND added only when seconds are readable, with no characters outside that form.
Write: h=10 m=3 s=37
